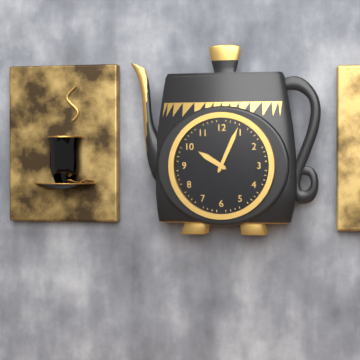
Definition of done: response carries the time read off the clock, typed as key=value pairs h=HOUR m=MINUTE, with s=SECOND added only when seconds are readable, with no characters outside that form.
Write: h=10 m=4
